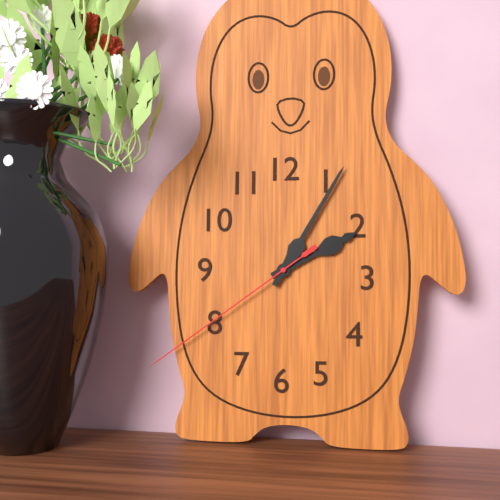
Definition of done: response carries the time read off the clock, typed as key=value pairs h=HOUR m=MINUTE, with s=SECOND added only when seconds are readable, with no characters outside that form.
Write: h=2 m=5 s=39
